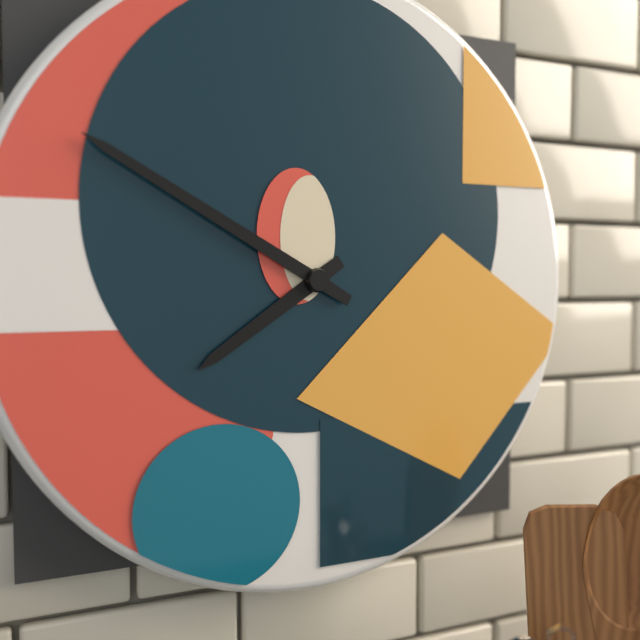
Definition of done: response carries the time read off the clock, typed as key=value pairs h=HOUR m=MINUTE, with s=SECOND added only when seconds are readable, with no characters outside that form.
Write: h=7 m=50
